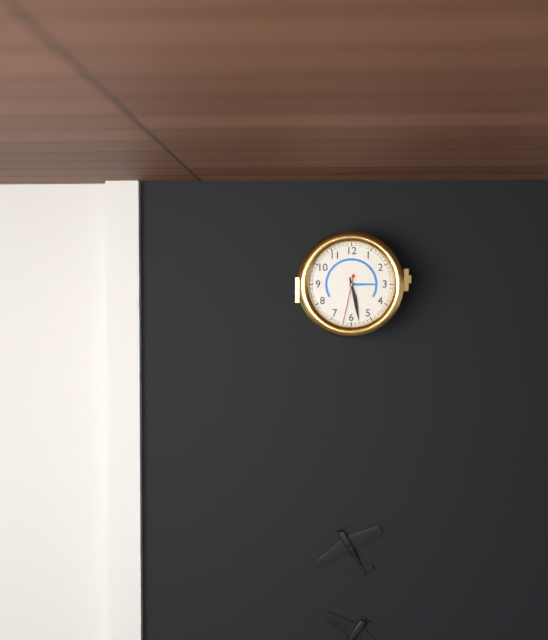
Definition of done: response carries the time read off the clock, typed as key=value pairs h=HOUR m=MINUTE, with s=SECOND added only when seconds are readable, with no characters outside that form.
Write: h=5 m=28 s=32
